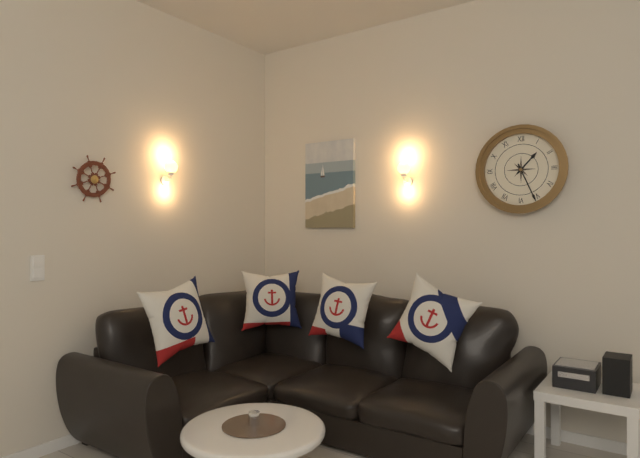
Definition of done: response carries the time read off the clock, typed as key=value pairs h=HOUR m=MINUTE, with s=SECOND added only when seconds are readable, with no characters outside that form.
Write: h=1 m=26
